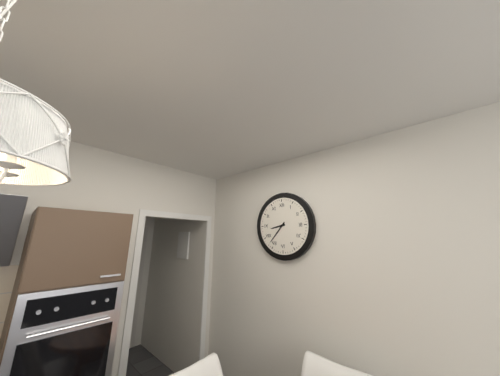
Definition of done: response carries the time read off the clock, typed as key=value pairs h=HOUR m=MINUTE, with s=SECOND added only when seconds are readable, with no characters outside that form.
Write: h=8 m=37
